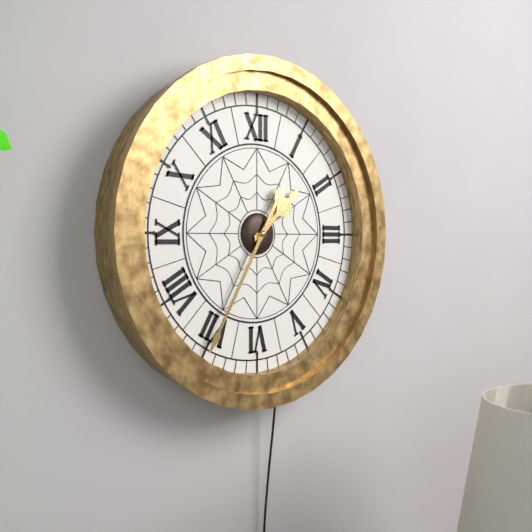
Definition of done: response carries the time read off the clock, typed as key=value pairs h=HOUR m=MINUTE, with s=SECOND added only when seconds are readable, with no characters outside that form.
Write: h=1 m=35
